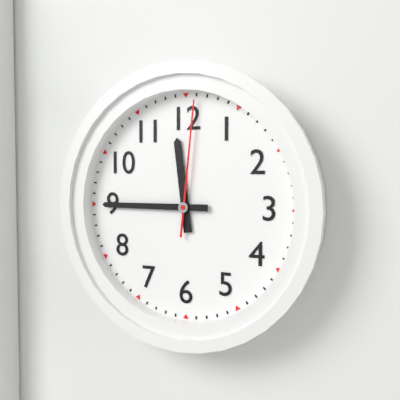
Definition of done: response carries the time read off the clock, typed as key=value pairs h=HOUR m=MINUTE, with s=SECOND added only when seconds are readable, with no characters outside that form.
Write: h=11 m=45 s=1
